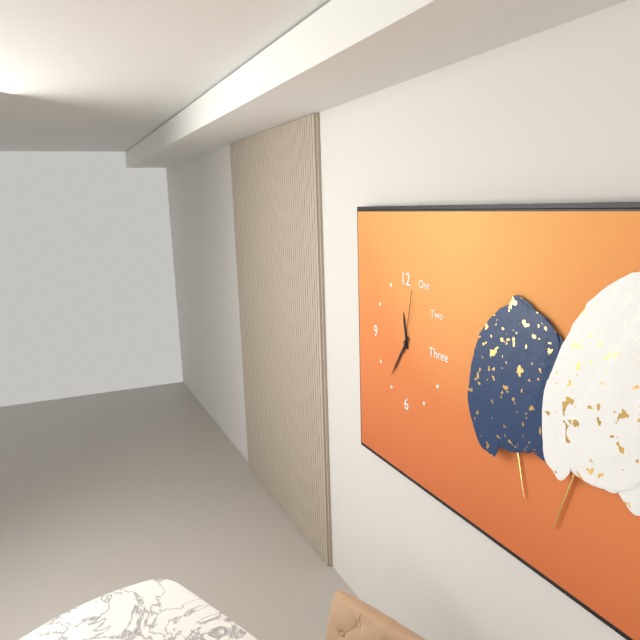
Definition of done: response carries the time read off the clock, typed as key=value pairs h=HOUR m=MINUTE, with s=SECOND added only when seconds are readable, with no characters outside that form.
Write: h=11 m=36 s=2
